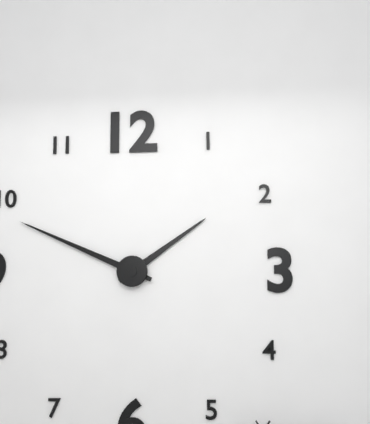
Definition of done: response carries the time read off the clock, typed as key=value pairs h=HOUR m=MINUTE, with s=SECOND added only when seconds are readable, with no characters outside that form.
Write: h=1 m=49
